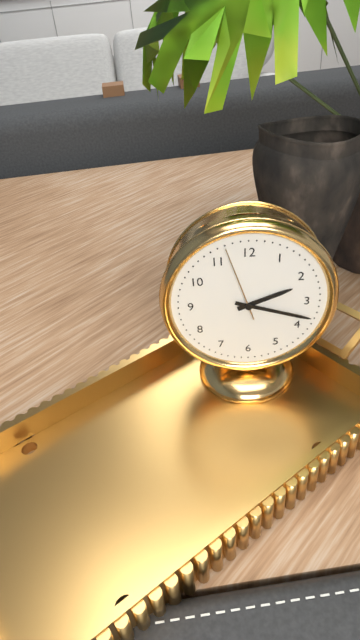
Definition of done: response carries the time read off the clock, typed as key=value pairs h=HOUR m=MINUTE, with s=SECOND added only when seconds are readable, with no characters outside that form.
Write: h=2 m=18 s=57
